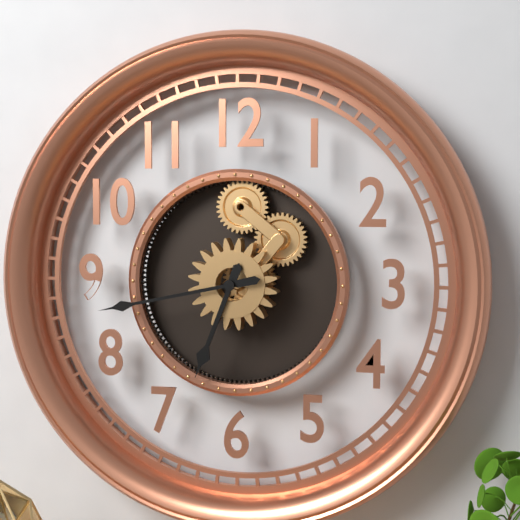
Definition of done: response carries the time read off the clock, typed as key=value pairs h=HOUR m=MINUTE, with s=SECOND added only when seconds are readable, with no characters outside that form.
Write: h=6 m=43
